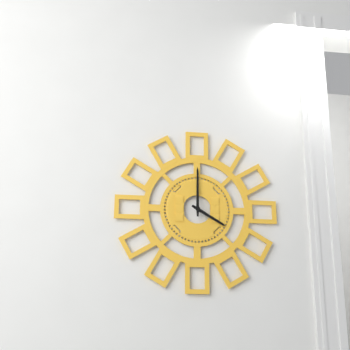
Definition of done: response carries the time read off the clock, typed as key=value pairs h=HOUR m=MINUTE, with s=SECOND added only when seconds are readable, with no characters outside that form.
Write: h=4 m=0
